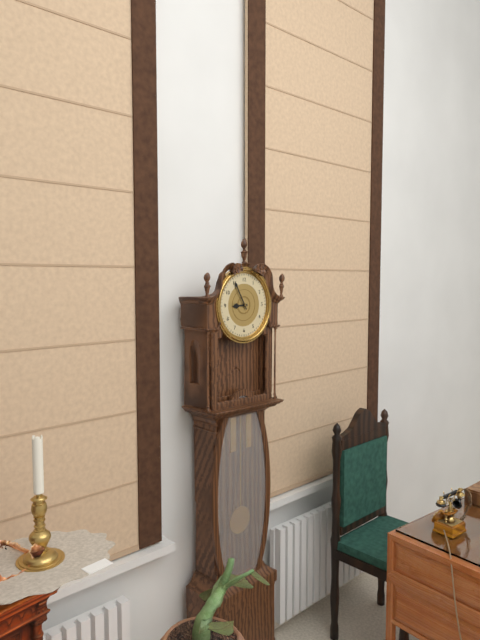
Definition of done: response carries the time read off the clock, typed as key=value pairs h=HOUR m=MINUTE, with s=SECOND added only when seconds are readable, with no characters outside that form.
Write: h=8 m=55
